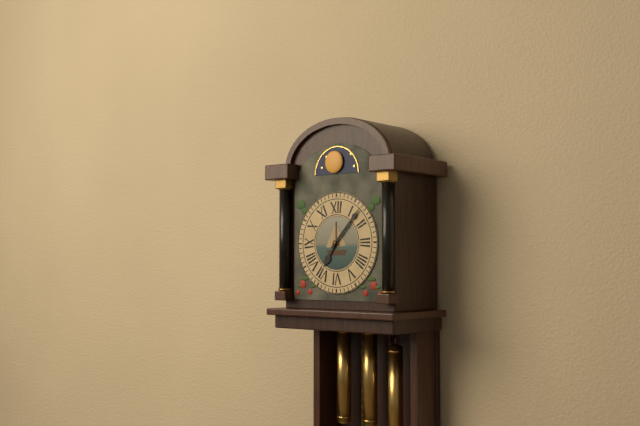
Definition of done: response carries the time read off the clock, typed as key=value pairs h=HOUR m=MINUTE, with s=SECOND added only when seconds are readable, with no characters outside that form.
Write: h=7 m=7
